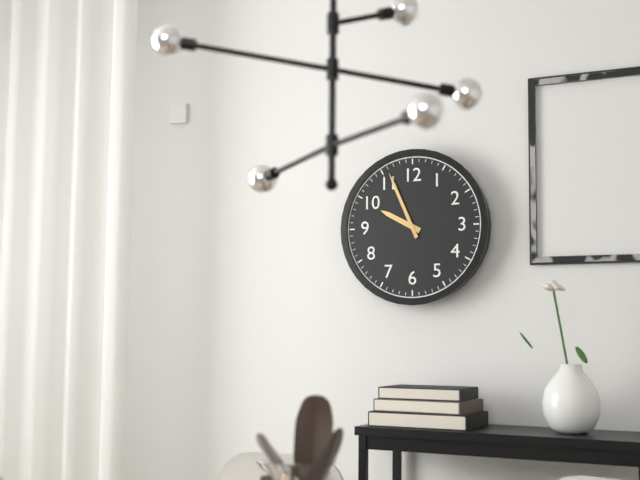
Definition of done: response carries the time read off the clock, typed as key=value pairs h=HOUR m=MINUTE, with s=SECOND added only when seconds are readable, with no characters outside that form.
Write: h=9 m=56
